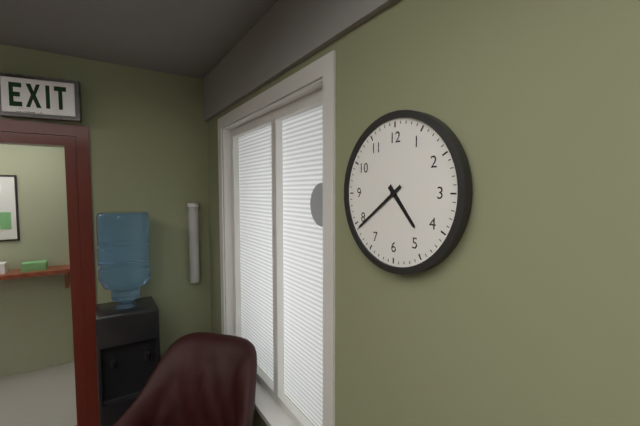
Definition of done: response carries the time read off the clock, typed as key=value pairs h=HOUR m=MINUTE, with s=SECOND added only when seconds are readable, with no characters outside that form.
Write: h=4 m=39
